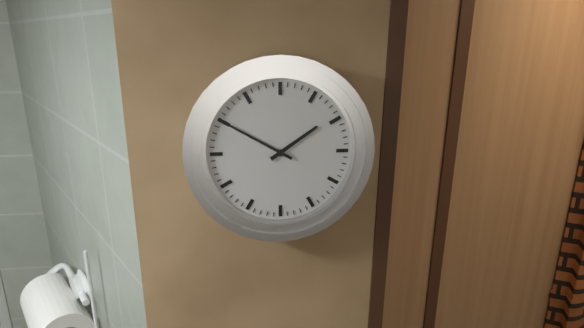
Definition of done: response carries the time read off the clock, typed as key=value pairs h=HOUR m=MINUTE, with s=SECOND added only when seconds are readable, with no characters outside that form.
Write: h=1 m=50
